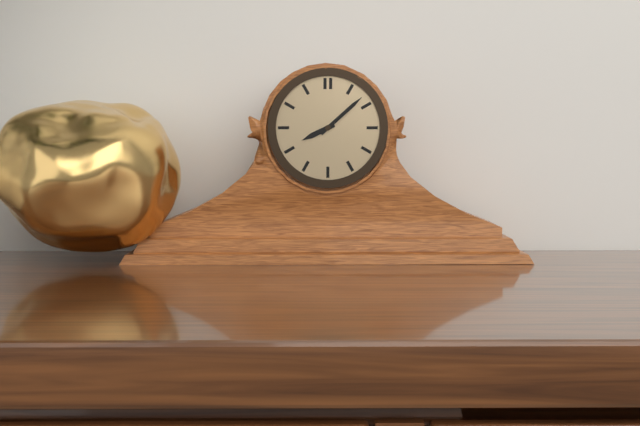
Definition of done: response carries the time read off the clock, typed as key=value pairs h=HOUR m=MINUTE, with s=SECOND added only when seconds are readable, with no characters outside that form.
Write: h=8 m=8
